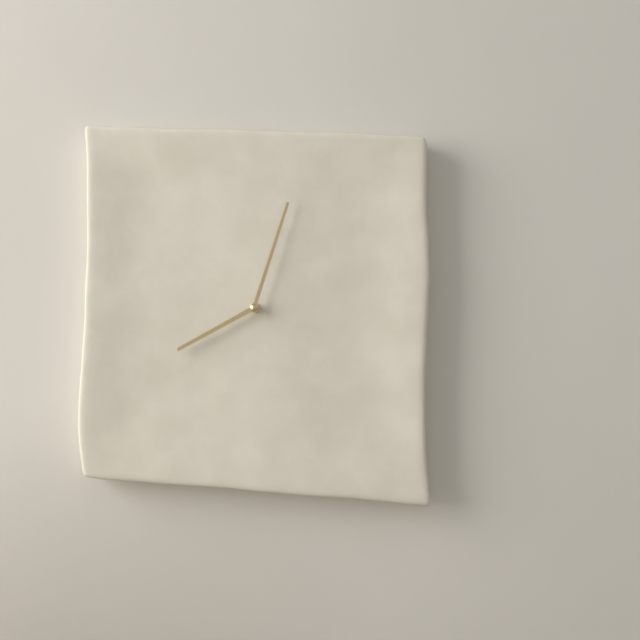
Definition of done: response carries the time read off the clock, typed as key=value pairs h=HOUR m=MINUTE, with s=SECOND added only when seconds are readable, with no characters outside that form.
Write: h=8 m=3
